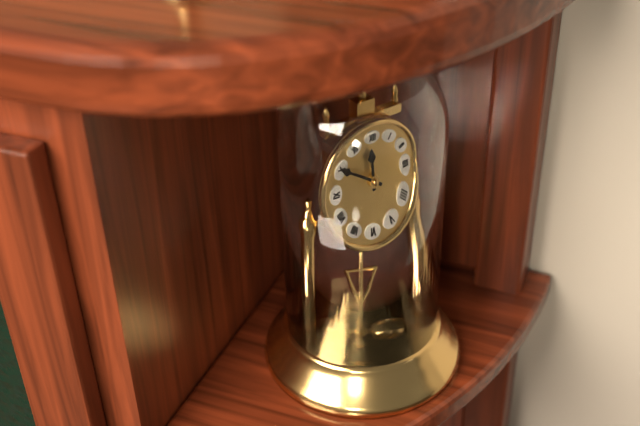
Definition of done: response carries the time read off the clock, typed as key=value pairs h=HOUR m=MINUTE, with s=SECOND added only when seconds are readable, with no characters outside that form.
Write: h=11 m=50
